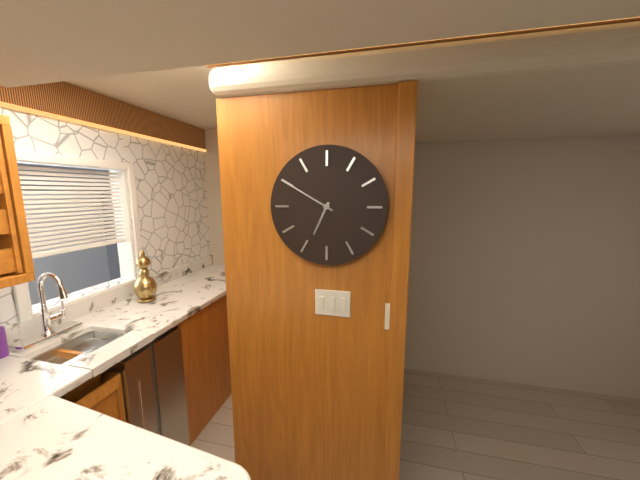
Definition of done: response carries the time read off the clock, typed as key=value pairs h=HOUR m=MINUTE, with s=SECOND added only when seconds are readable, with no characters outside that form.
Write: h=6 m=50
